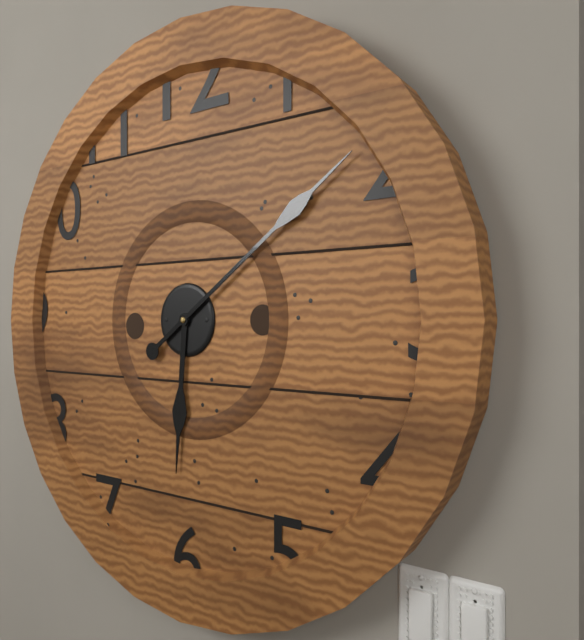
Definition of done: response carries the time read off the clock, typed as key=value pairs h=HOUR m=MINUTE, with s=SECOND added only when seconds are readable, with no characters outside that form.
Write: h=6 m=9
